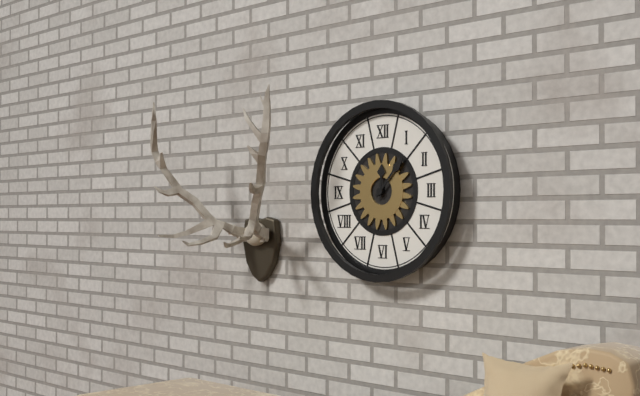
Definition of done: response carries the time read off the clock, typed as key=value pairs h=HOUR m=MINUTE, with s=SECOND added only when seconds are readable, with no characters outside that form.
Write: h=12 m=7
